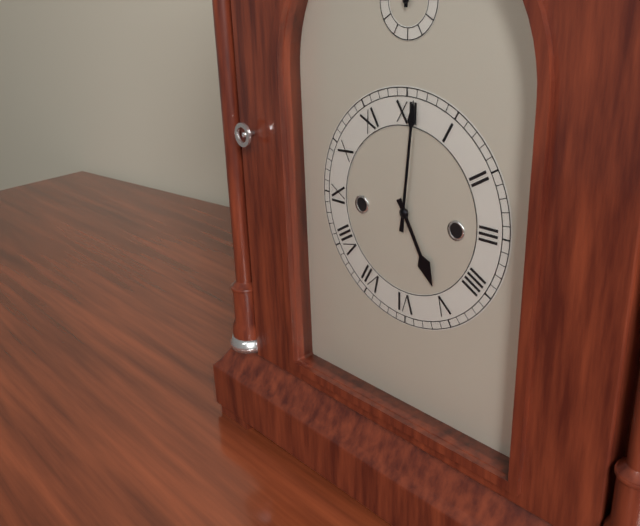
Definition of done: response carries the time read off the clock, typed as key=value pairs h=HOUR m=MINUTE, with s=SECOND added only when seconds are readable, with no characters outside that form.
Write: h=5 m=1
